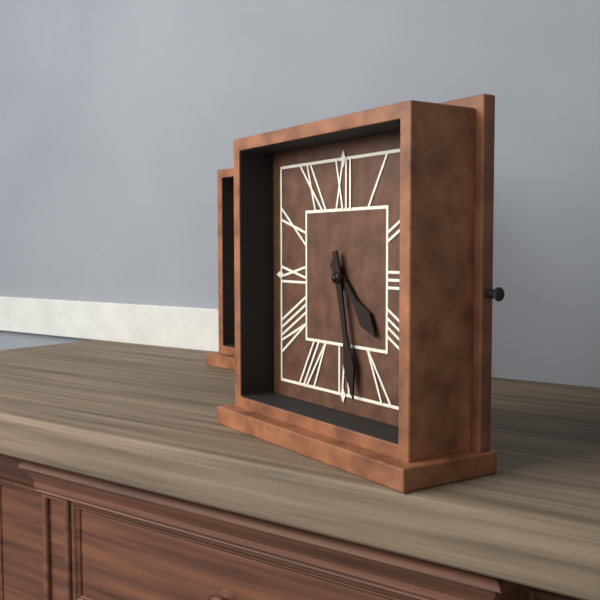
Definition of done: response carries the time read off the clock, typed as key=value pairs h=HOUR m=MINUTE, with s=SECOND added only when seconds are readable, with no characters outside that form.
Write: h=4 m=28
